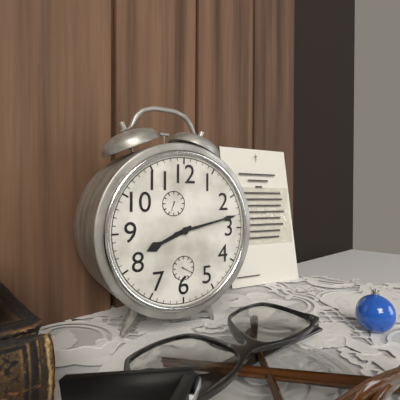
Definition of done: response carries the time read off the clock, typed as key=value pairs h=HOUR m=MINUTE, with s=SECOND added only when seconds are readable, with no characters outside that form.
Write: h=8 m=13
